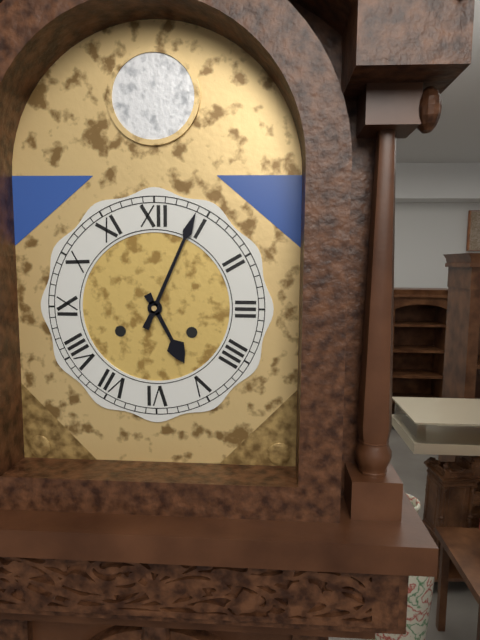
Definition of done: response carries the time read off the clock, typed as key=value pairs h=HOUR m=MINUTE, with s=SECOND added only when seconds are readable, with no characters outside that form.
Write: h=5 m=4
